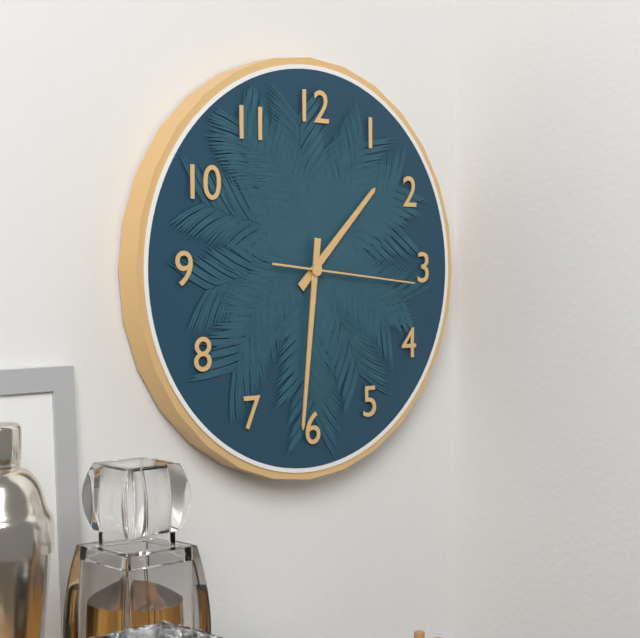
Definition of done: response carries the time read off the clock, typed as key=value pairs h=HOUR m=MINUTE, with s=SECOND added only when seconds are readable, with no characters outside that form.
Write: h=1 m=31 s=16
